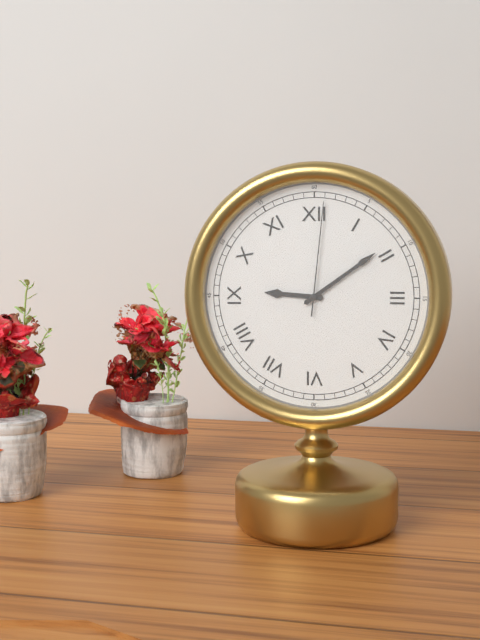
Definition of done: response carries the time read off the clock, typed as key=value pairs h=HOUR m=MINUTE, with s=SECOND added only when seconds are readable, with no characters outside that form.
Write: h=9 m=9 s=1
